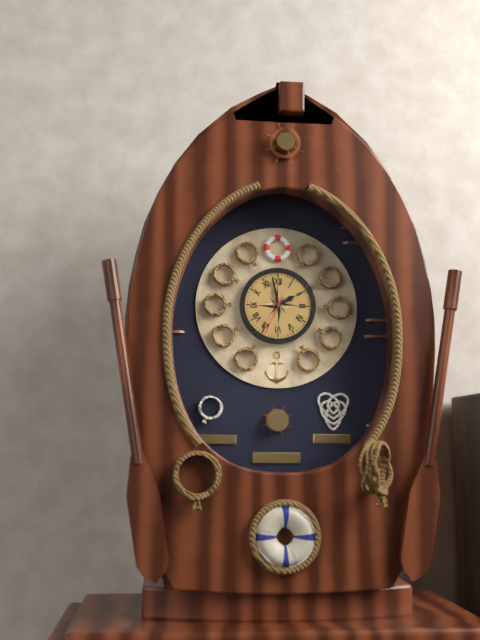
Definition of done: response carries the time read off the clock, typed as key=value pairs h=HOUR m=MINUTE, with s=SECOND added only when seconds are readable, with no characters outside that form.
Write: h=1 m=58
